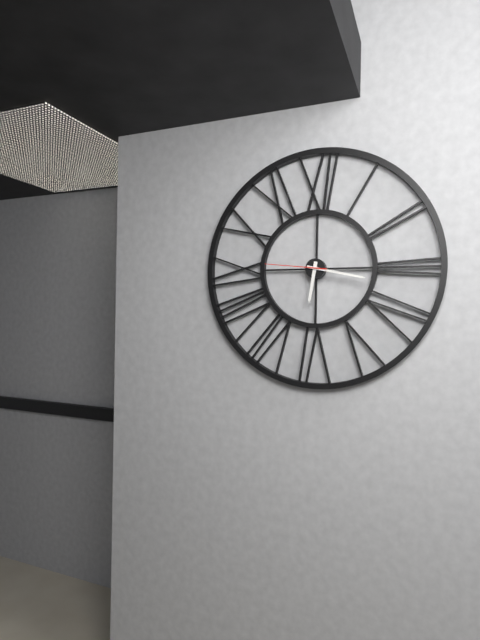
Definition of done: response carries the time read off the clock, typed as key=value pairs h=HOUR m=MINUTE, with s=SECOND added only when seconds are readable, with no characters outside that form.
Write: h=6 m=17 s=46
